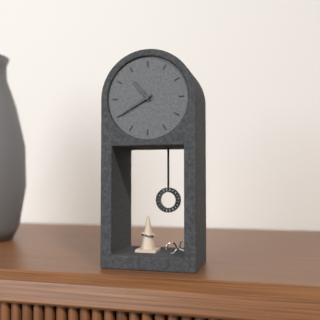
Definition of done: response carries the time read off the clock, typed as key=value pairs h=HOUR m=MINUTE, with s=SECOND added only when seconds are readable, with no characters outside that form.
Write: h=10 m=40
